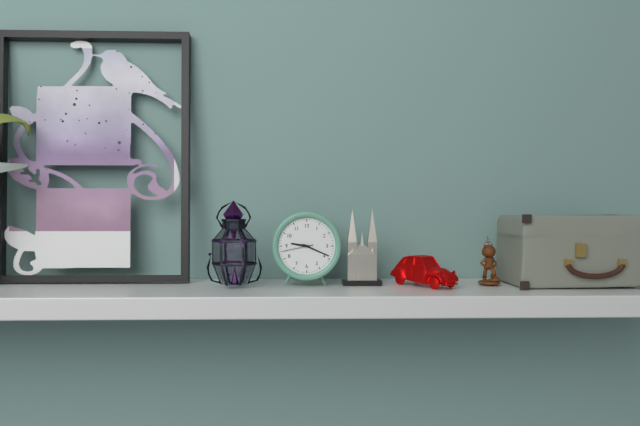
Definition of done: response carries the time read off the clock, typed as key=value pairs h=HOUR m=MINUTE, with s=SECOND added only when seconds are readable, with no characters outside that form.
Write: h=9 m=19
